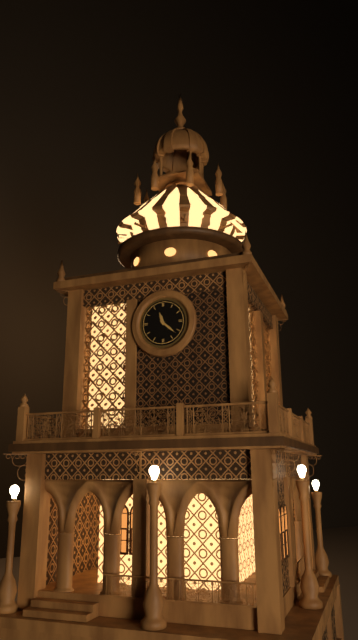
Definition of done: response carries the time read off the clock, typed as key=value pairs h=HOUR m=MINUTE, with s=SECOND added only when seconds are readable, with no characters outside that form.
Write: h=11 m=22
